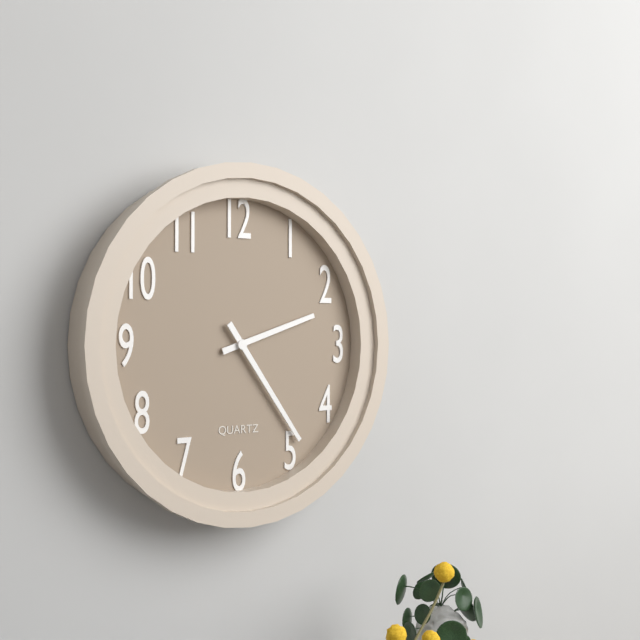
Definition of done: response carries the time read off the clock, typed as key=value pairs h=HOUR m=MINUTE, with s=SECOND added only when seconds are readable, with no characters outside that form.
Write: h=2 m=24
